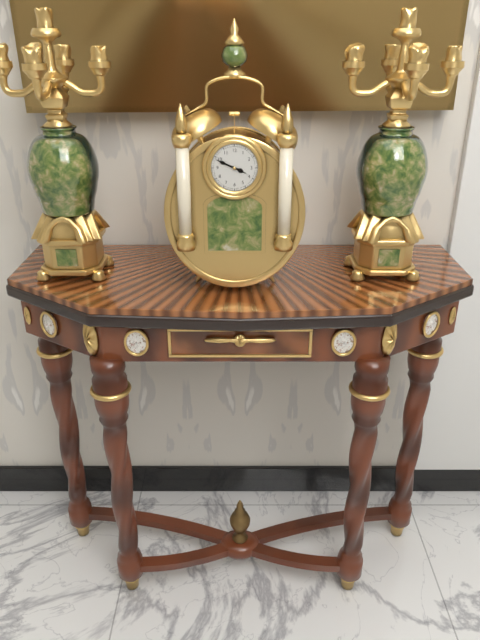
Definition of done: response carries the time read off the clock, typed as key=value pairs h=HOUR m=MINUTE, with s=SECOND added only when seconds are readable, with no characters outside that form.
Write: h=3 m=49
